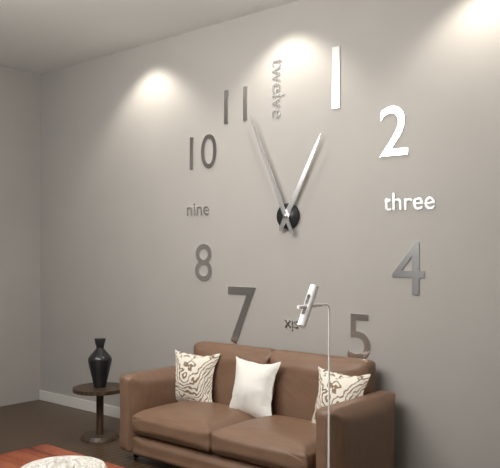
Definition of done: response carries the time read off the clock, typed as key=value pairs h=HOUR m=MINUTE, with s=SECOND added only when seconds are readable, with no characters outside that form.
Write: h=12 m=56
